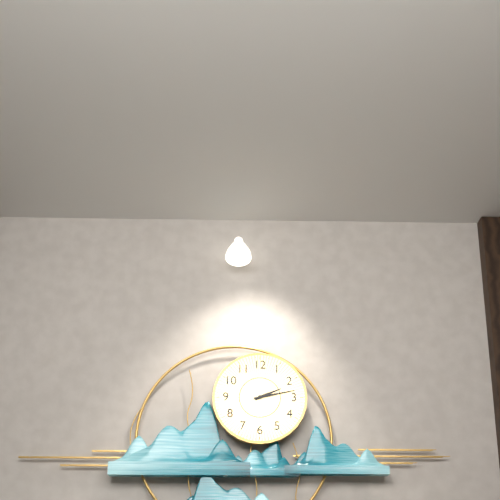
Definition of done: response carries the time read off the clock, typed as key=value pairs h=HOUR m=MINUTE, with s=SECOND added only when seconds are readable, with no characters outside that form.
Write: h=2 m=13
